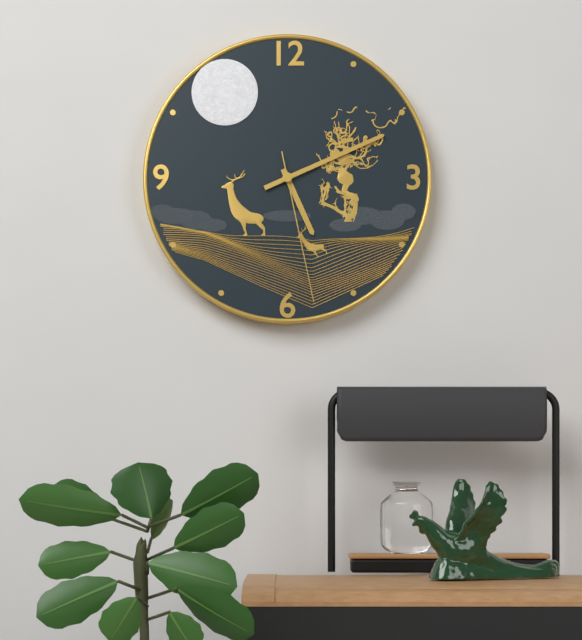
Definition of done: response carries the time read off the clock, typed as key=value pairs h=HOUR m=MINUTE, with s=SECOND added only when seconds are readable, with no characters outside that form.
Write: h=5 m=11 s=28
